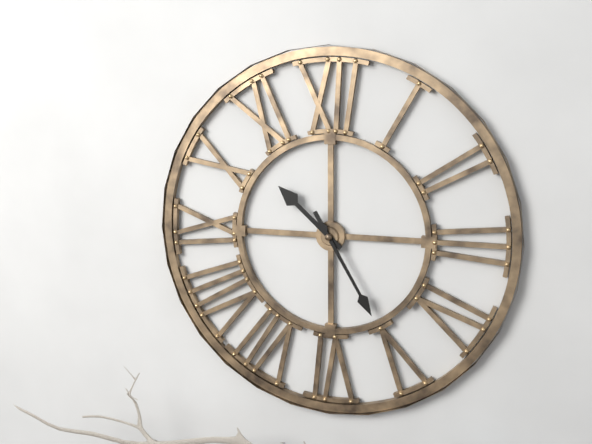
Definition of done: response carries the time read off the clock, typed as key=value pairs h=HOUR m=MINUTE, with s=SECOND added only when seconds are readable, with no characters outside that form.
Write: h=10 m=25
